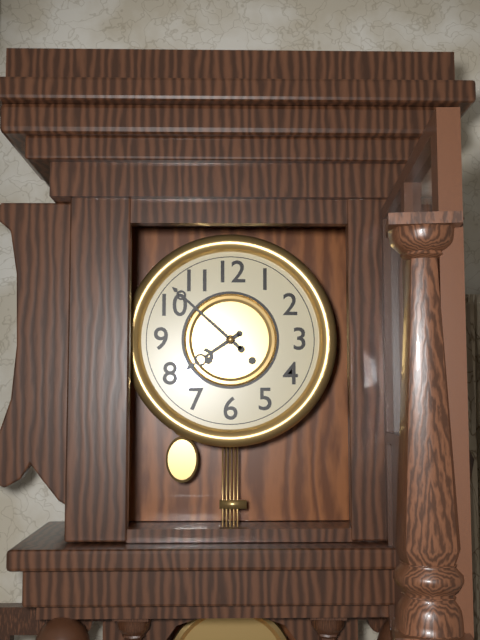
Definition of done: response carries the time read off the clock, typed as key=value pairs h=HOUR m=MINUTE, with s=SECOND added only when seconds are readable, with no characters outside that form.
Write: h=7 m=52
